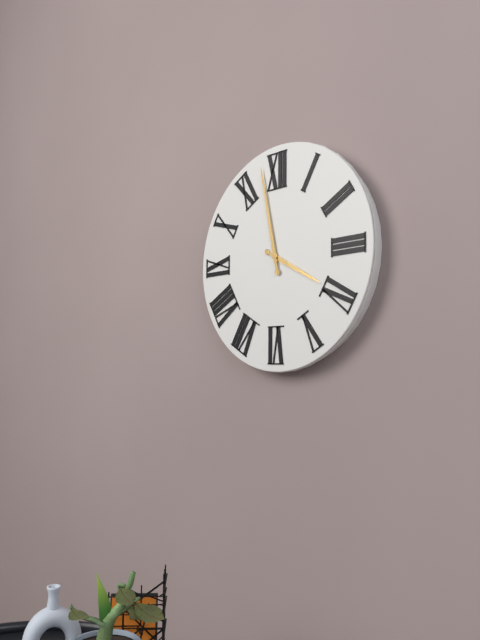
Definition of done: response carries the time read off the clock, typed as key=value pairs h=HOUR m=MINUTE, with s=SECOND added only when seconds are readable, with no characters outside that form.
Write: h=3 m=58
